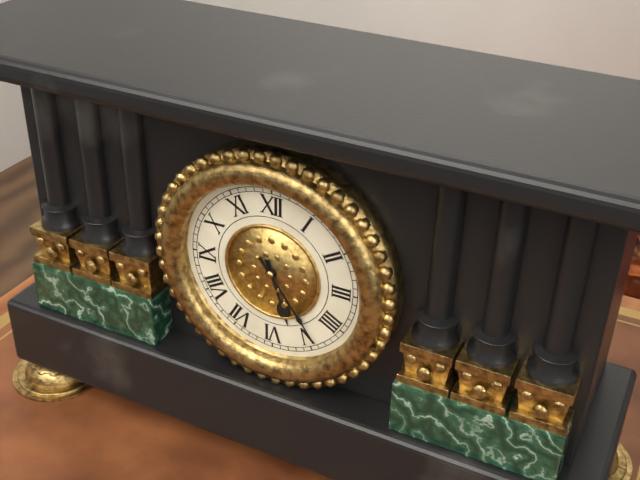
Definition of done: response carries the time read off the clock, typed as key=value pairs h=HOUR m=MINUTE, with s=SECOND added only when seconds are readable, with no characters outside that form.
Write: h=5 m=24
